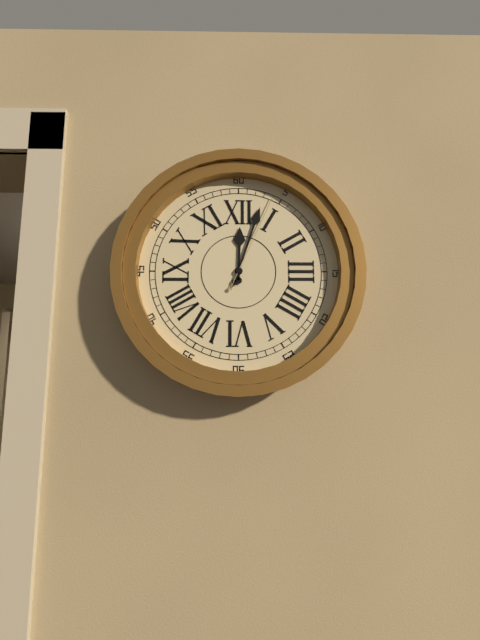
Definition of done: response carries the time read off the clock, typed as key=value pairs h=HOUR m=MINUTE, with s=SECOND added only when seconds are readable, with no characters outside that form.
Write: h=12 m=3 s=4
